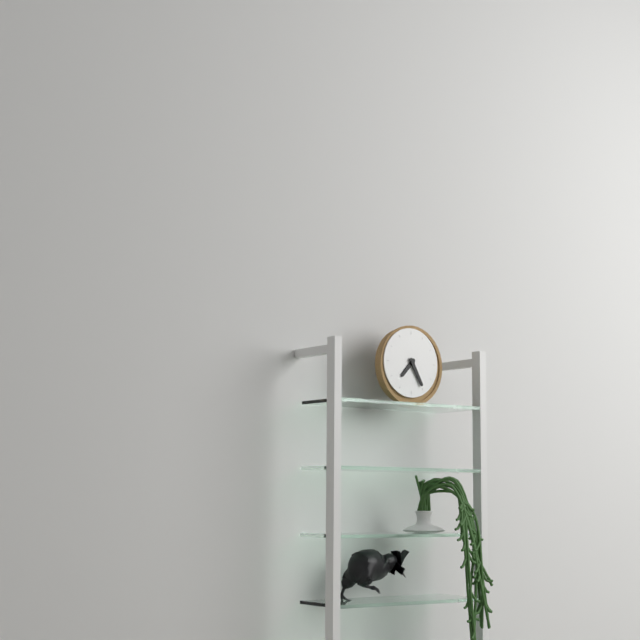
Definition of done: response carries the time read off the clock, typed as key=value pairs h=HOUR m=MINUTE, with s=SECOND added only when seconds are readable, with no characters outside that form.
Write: h=7 m=25
